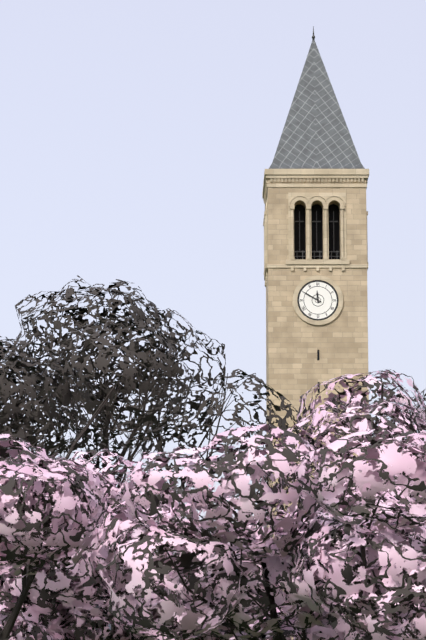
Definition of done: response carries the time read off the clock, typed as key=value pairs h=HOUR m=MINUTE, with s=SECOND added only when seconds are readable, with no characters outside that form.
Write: h=11 m=50
